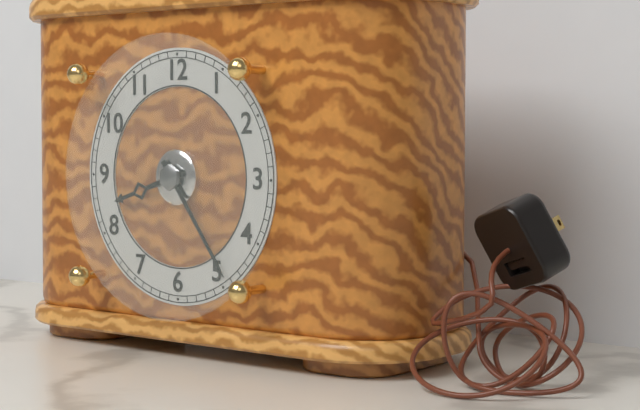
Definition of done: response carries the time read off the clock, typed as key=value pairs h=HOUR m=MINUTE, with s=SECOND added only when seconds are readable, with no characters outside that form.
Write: h=8 m=24
